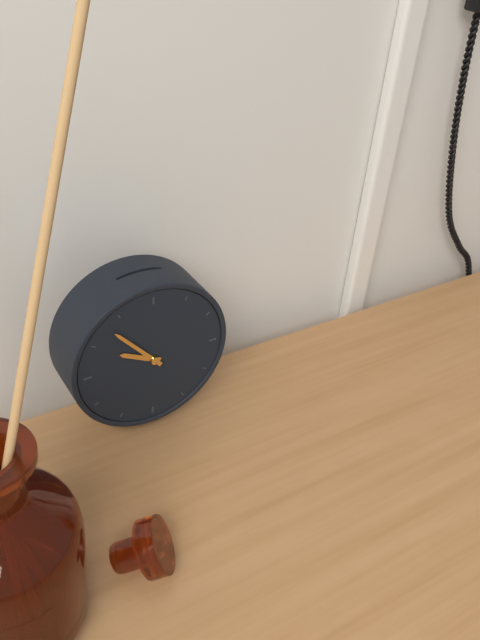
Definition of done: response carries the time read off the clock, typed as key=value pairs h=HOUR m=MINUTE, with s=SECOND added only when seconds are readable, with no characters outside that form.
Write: h=9 m=53
